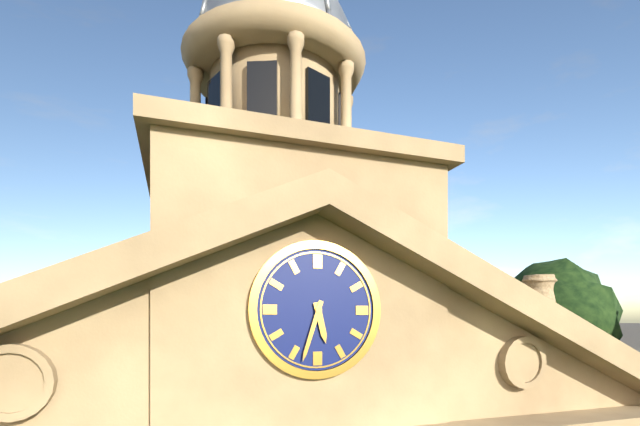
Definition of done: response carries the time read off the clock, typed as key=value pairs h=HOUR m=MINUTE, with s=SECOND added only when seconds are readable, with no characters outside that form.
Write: h=5 m=33
